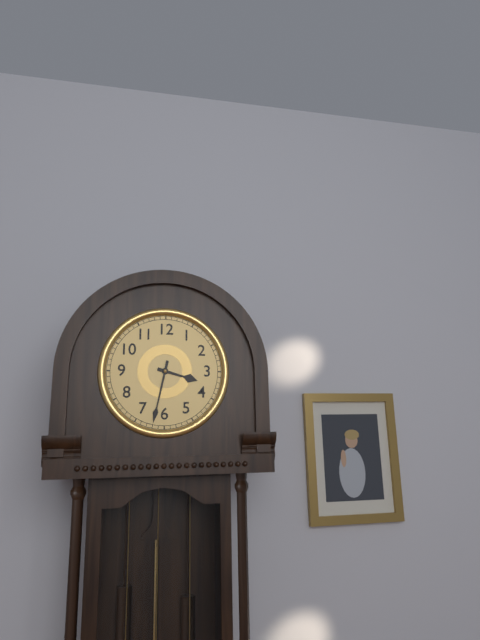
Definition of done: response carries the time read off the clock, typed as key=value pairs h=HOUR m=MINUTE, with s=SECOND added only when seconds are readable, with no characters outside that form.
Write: h=3 m=32
